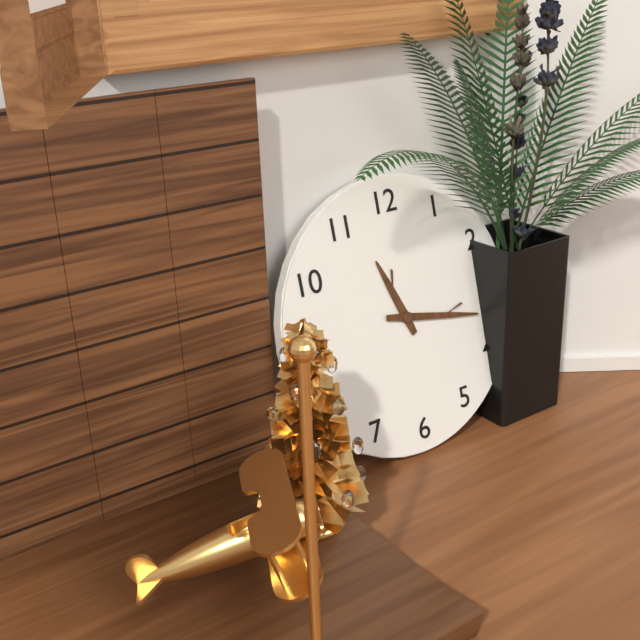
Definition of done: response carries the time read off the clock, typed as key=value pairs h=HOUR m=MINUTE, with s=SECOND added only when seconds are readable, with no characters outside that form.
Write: h=11 m=17
